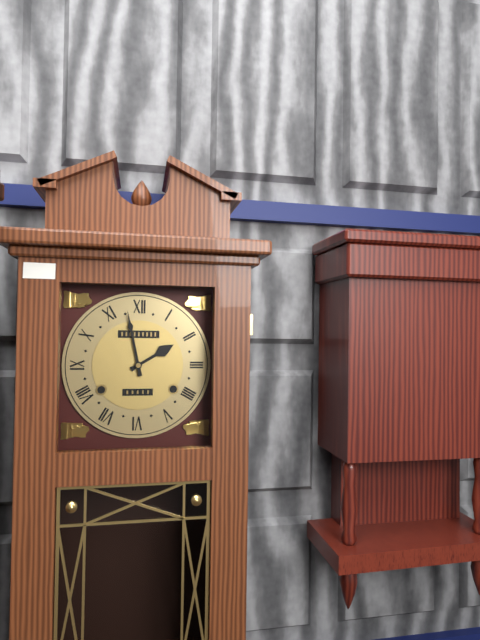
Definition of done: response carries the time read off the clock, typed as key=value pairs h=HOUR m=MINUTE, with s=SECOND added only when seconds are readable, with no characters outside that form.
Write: h=1 m=58
